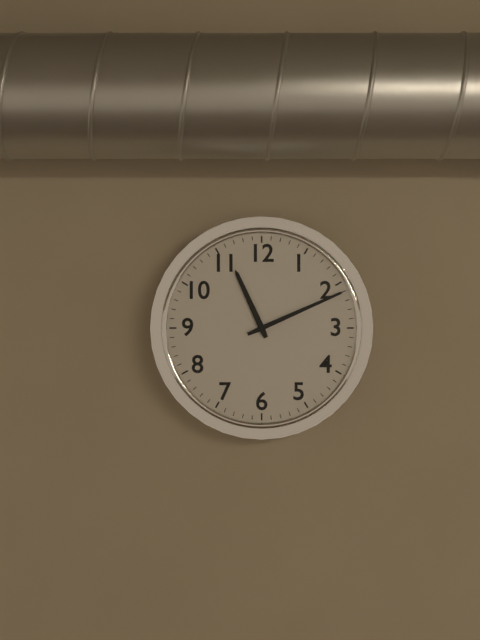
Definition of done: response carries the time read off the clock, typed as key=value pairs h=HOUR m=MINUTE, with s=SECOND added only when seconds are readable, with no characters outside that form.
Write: h=11 m=11
